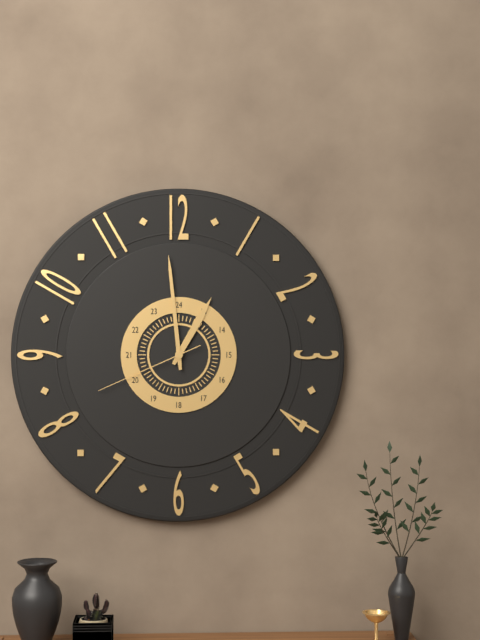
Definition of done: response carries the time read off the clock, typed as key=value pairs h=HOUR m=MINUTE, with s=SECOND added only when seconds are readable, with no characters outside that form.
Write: h=12 m=59 s=41
